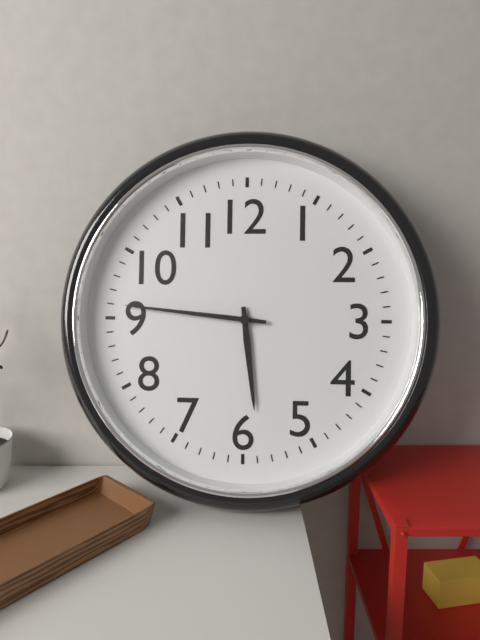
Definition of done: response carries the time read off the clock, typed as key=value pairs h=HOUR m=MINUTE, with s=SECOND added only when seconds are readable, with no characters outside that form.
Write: h=5 m=46
